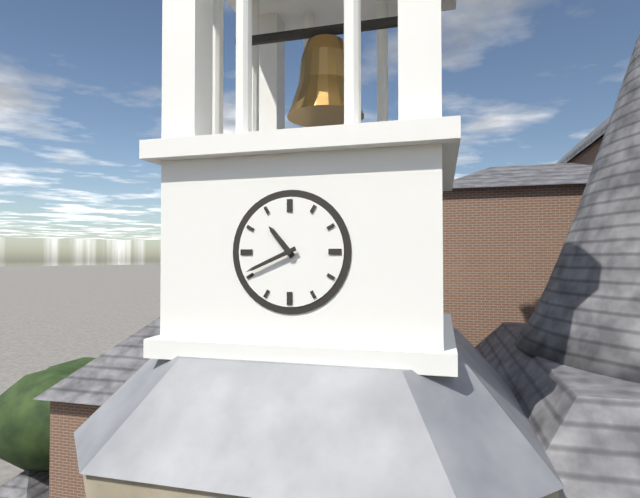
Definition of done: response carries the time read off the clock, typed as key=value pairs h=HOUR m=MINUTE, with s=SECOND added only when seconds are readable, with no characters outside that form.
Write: h=10 m=41
